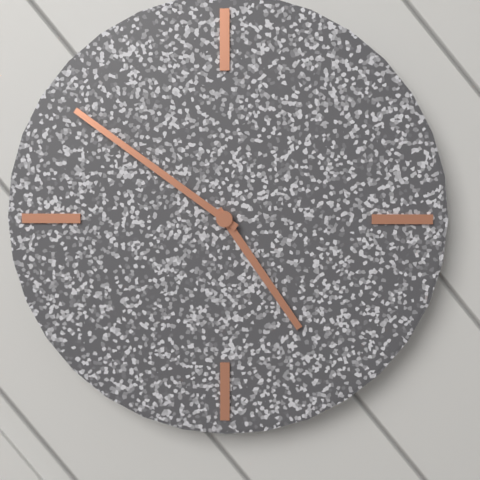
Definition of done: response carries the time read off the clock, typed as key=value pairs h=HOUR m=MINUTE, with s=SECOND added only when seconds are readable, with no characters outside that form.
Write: h=4 m=51
